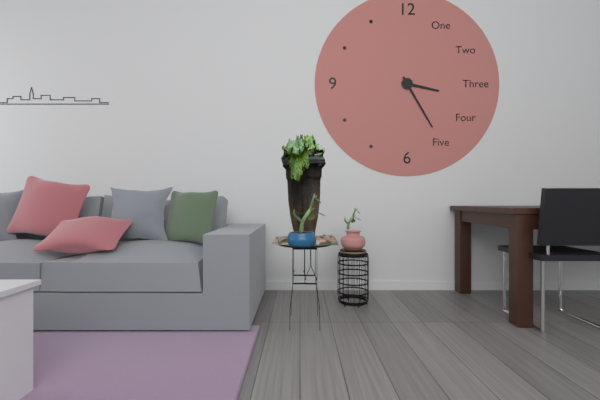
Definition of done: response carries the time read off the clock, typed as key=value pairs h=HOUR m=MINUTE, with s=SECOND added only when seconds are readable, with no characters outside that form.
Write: h=3 m=25
